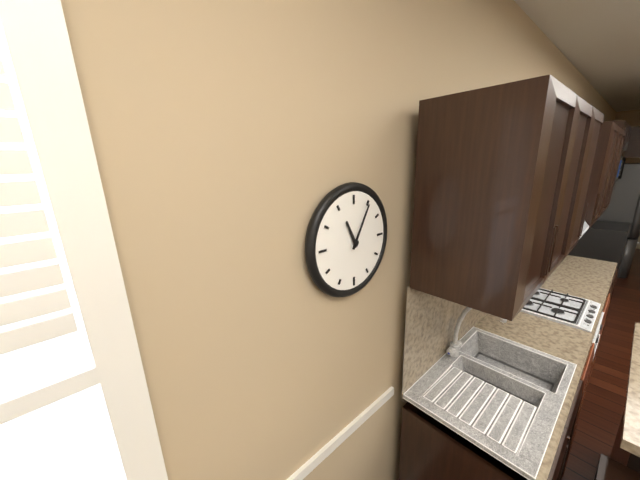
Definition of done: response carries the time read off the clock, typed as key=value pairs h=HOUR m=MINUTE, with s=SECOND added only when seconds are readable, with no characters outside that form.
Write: h=11 m=5
